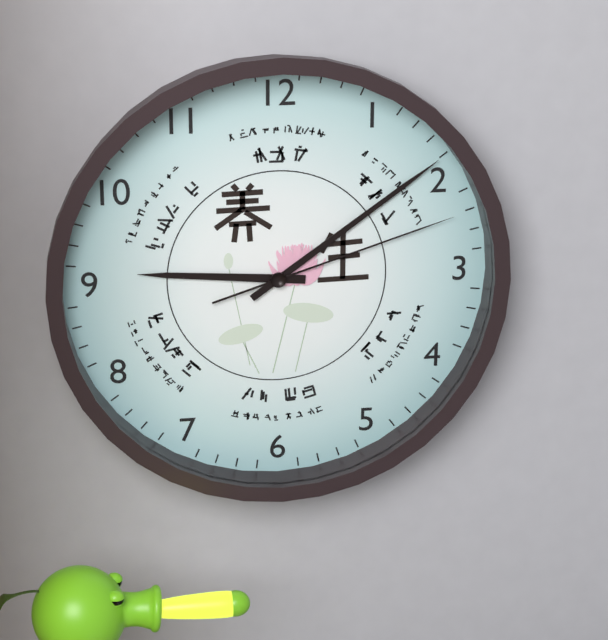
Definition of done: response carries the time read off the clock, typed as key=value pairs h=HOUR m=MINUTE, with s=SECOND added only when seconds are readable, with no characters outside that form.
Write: h=9 m=9 s=12
